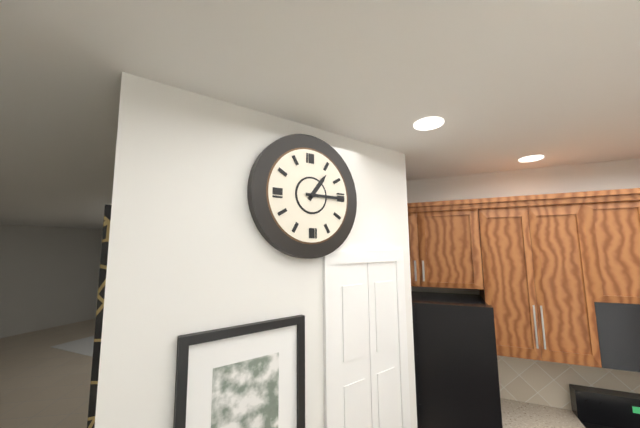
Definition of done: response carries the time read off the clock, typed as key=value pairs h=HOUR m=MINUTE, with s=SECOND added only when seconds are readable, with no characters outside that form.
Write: h=1 m=15
